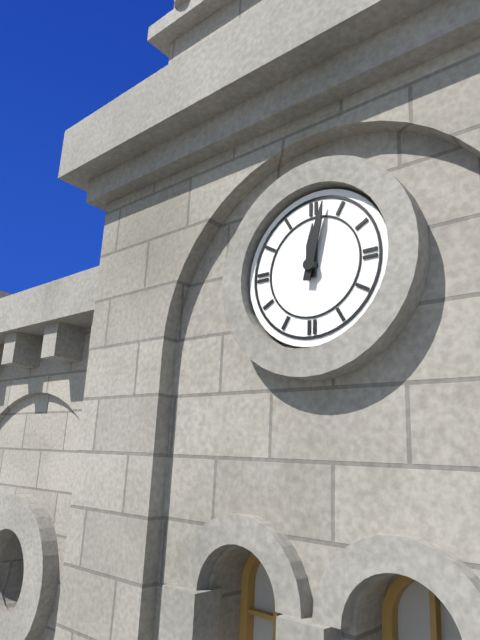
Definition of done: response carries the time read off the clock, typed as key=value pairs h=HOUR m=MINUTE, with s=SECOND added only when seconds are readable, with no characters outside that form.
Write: h=12 m=2
